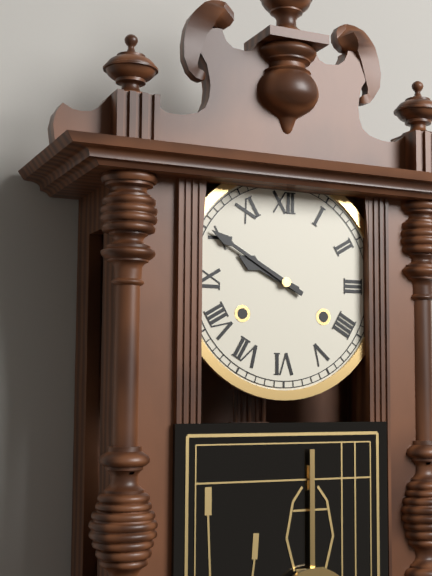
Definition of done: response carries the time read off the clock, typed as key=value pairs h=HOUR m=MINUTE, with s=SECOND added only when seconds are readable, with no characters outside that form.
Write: h=9 m=50
